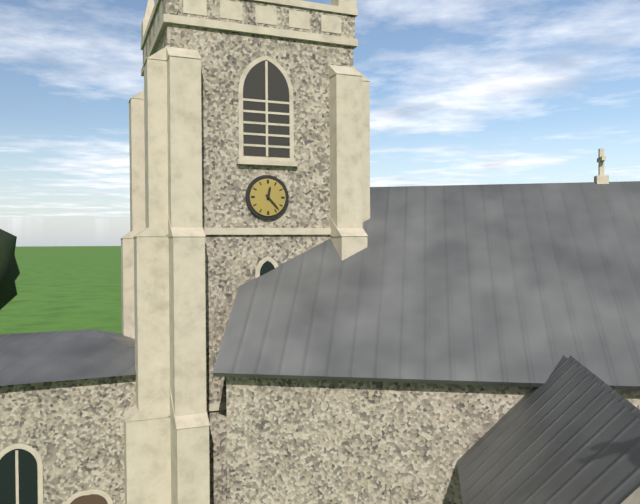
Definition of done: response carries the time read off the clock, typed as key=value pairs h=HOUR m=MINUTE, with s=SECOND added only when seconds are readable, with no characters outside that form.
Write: h=12 m=23
